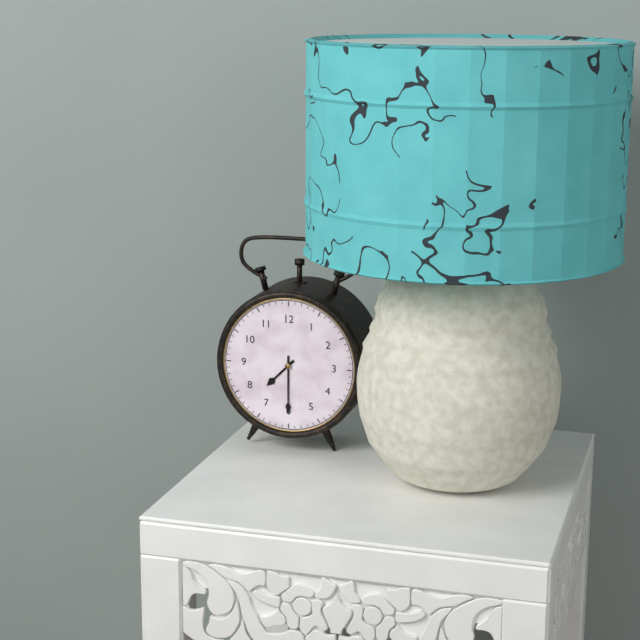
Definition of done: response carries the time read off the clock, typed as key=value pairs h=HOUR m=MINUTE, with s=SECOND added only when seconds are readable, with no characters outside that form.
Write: h=7 m=30
